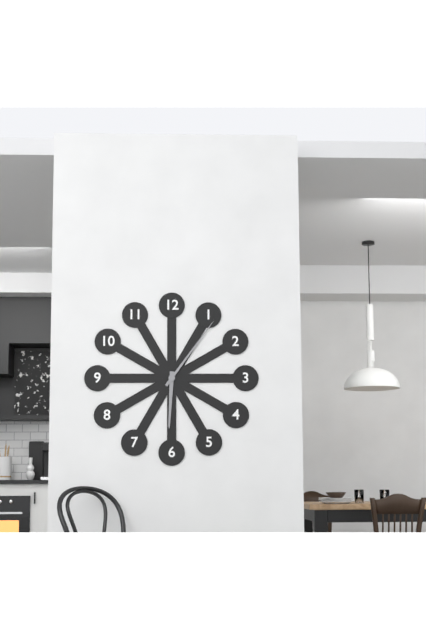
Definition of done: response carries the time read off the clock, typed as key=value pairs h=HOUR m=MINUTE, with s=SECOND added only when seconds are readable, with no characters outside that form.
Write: h=6 m=6
